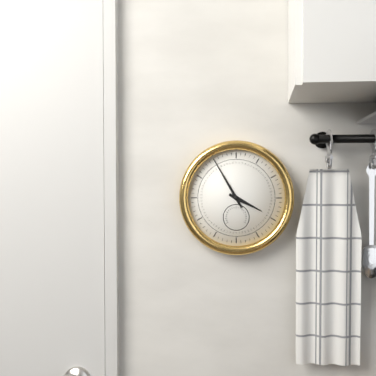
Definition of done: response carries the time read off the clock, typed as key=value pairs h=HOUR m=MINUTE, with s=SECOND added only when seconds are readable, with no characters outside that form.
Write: h=3 m=55
